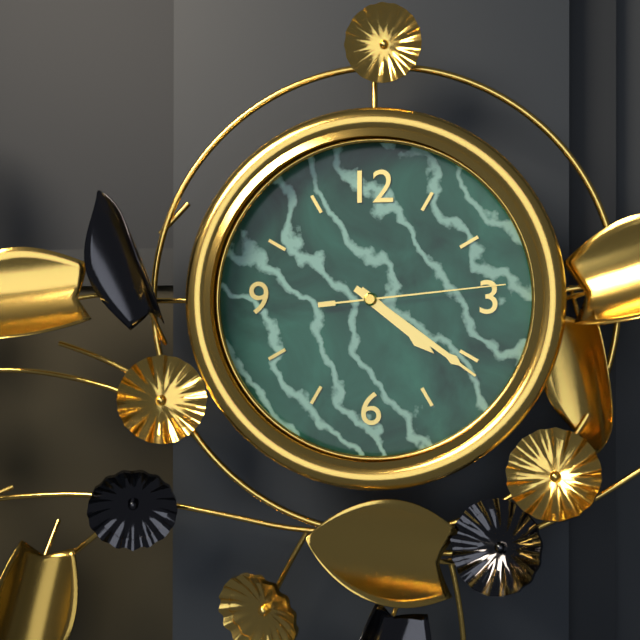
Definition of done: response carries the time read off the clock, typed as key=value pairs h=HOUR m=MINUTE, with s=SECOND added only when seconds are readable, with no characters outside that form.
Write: h=4 m=21 s=14
